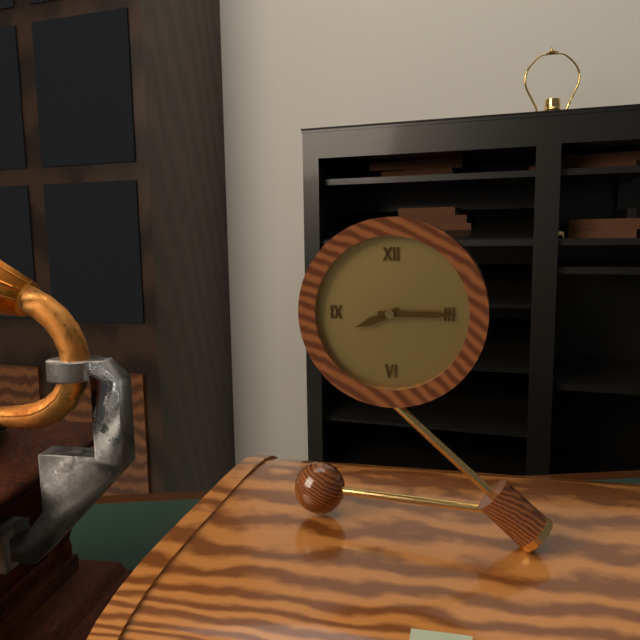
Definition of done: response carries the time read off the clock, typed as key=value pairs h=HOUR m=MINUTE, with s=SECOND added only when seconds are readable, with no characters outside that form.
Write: h=8 m=15
